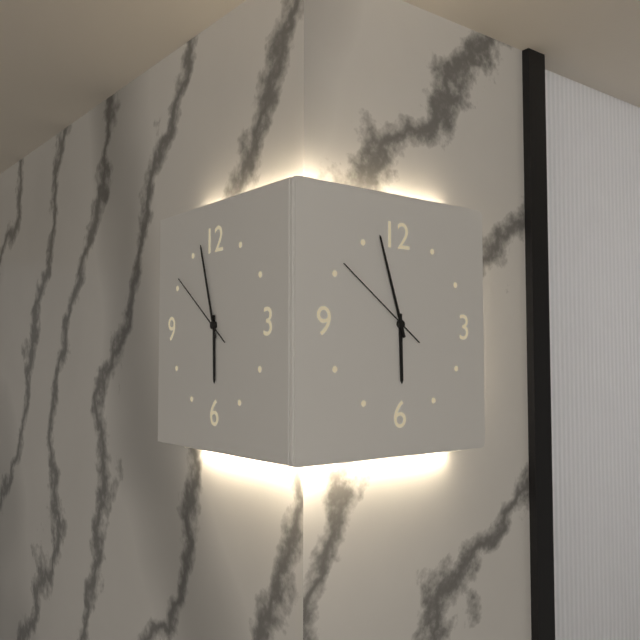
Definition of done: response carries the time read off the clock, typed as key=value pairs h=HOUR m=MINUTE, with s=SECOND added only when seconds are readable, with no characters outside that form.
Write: h=5 m=57 s=51
